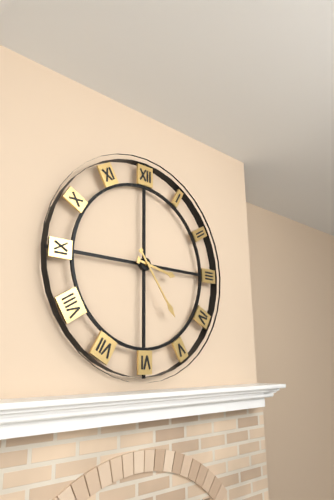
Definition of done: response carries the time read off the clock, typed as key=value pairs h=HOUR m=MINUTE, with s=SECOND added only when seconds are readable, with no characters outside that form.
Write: h=3 m=24
